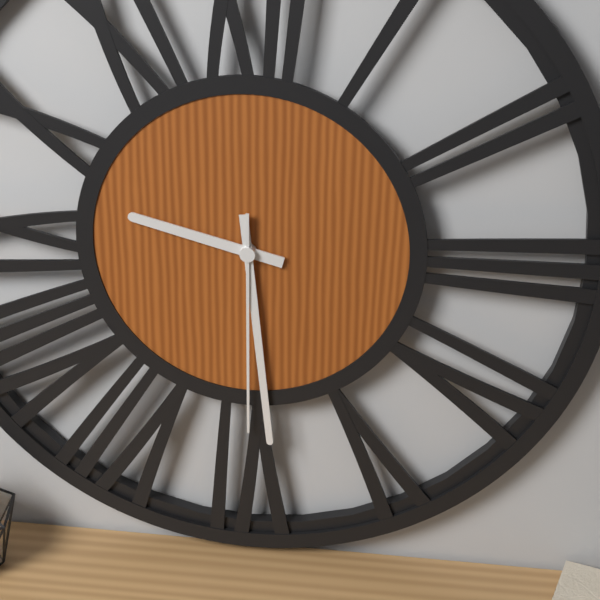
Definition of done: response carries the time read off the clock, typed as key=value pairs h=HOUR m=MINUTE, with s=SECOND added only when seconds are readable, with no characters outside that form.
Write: h=9 m=29 s=30
